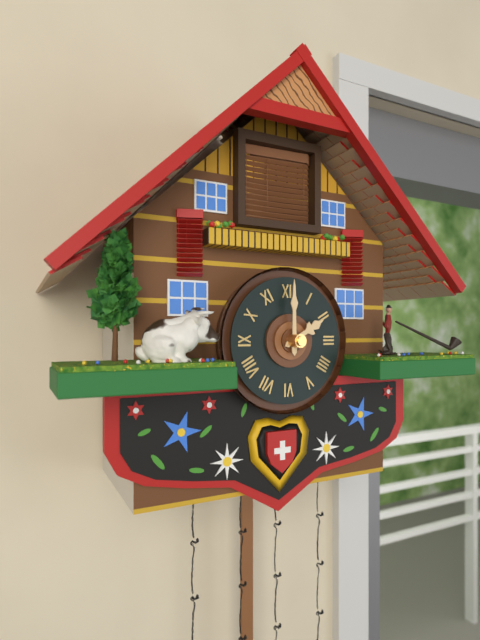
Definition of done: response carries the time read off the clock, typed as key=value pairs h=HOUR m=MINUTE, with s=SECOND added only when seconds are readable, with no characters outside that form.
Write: h=2 m=0
